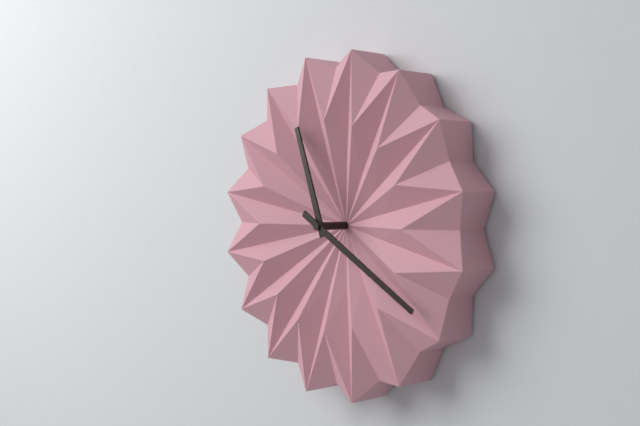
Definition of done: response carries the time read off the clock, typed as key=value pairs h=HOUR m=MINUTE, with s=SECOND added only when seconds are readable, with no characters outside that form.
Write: h=11 m=20
